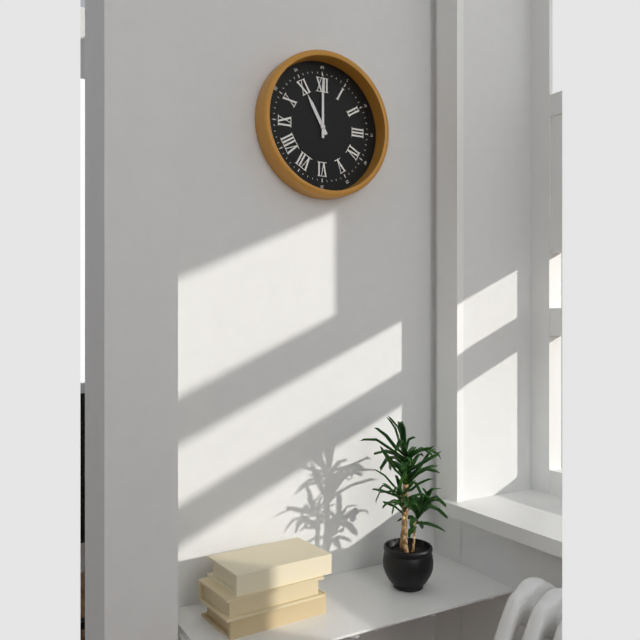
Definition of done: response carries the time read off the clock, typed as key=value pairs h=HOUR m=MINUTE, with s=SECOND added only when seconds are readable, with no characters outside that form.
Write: h=11 m=0
